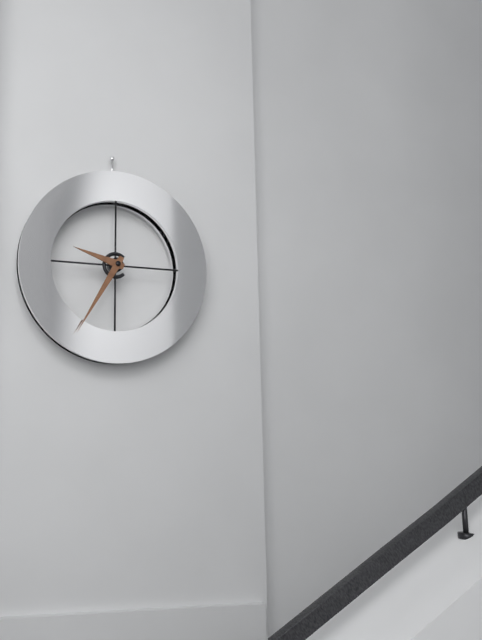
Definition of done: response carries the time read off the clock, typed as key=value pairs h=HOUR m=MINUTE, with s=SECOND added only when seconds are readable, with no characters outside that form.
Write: h=9 m=35
